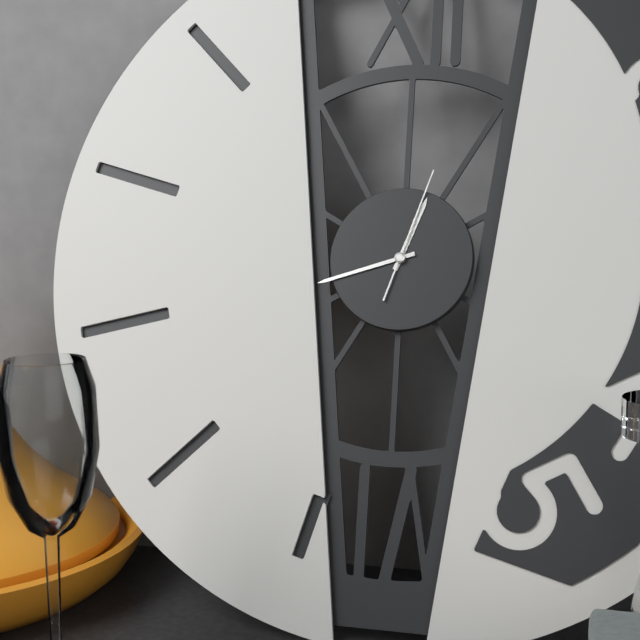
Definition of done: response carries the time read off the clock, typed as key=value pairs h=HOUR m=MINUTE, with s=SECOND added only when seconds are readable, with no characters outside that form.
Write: h=12 m=42 s=3
